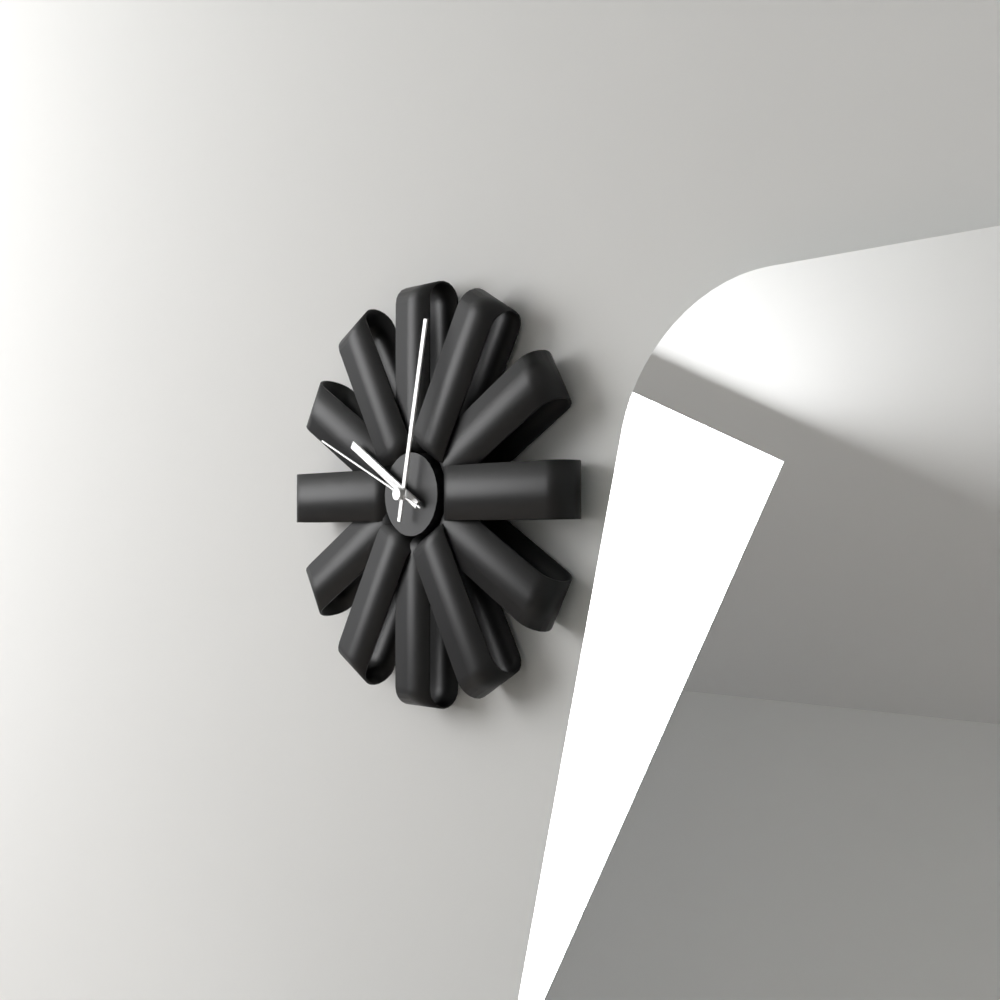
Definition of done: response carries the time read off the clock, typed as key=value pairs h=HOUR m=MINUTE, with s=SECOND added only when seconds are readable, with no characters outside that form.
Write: h=10 m=2 s=49
